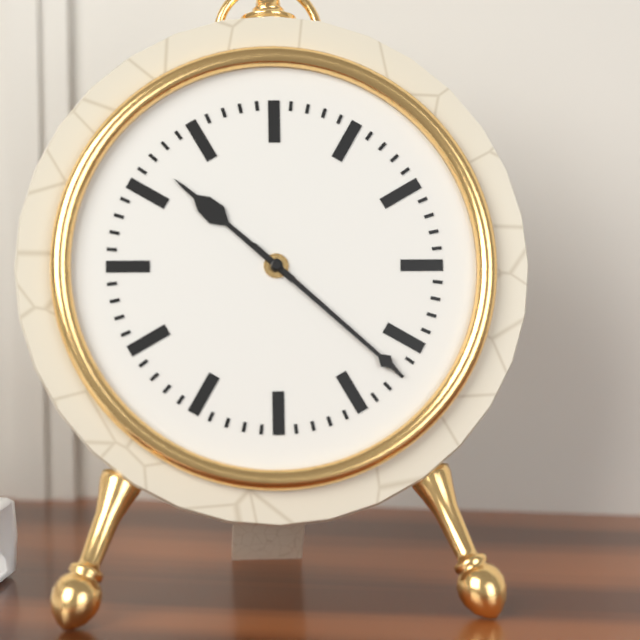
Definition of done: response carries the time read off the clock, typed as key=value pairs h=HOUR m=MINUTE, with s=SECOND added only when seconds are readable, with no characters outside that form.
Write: h=10 m=22
